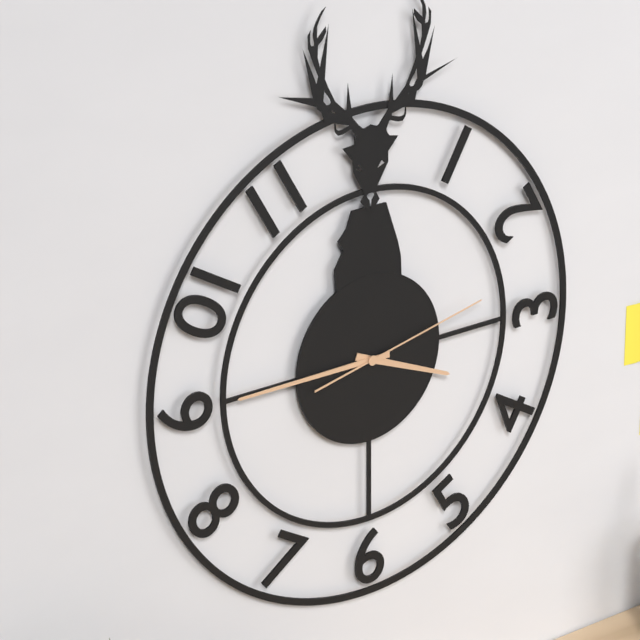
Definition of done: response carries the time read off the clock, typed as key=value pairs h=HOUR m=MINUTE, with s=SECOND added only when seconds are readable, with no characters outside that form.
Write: h=3 m=45 s=13
